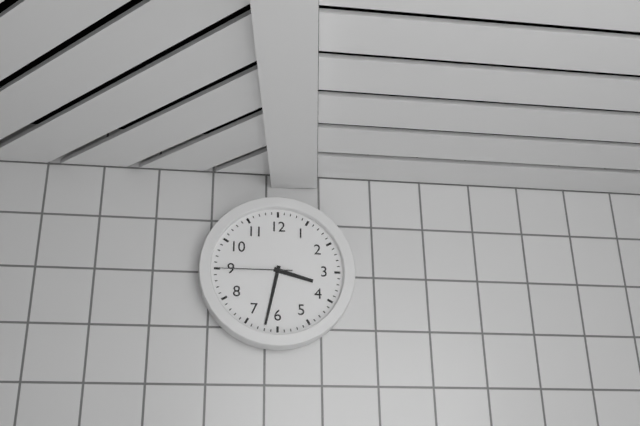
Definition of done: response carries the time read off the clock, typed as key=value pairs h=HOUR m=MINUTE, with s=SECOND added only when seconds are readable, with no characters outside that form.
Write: h=3 m=32 s=45
